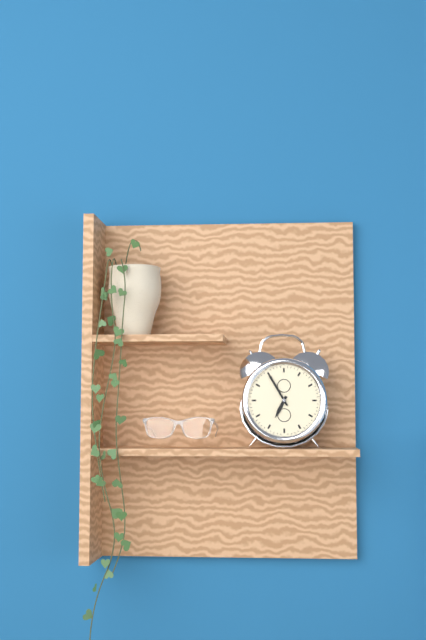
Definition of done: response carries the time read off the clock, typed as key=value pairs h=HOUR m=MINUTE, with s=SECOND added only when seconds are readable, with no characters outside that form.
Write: h=6 m=55
